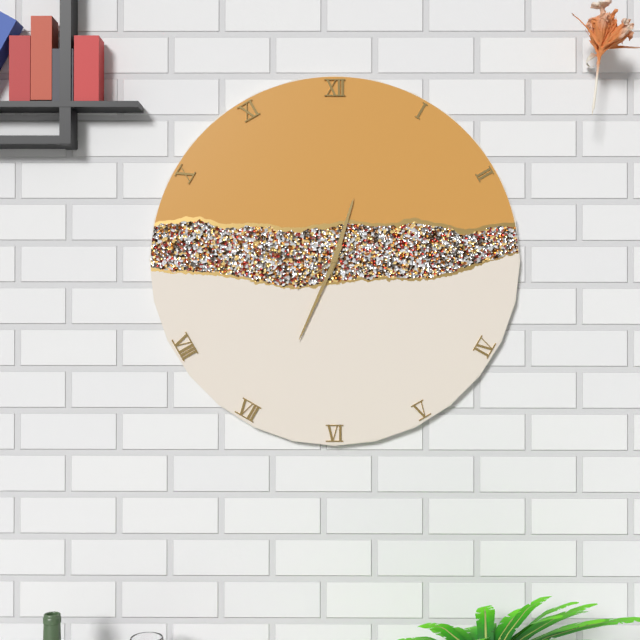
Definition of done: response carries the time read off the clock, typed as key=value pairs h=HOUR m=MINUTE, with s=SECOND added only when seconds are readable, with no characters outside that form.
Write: h=12 m=34 s=39
